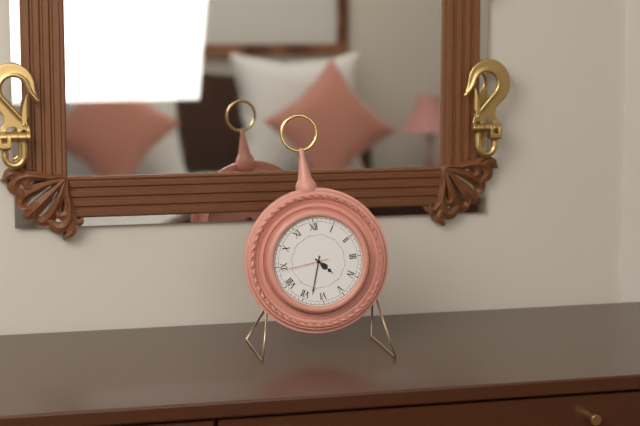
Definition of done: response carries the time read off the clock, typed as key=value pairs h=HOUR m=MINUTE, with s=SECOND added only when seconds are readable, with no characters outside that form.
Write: h=4 m=33
